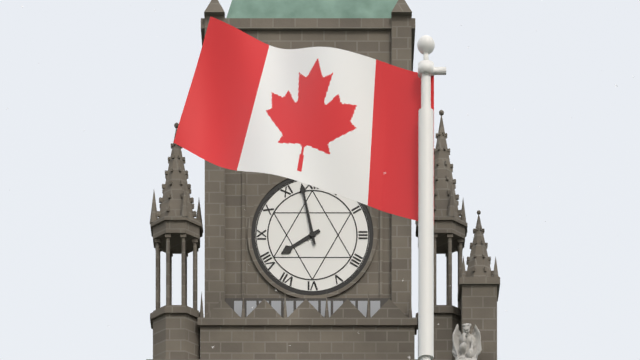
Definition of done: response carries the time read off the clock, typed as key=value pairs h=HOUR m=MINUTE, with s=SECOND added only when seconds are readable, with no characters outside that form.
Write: h=7 m=58
